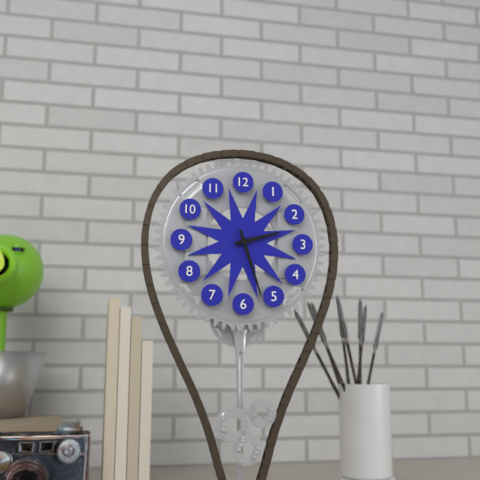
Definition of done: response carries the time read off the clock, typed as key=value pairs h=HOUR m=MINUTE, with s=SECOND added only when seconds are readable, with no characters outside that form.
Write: h=2 m=27
